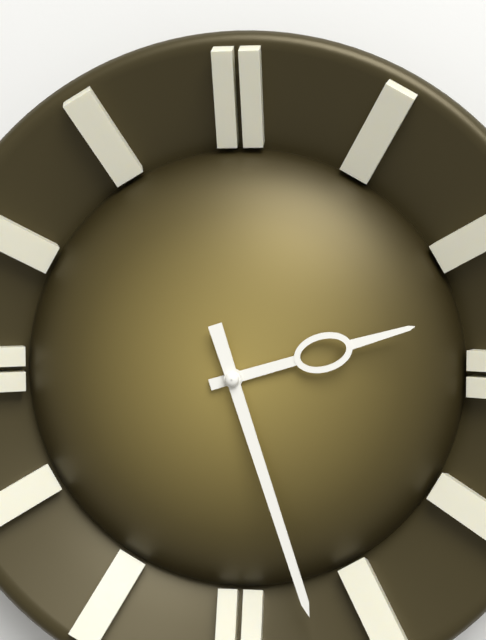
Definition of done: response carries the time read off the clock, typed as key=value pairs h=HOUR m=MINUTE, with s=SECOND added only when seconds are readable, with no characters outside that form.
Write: h=2 m=27
